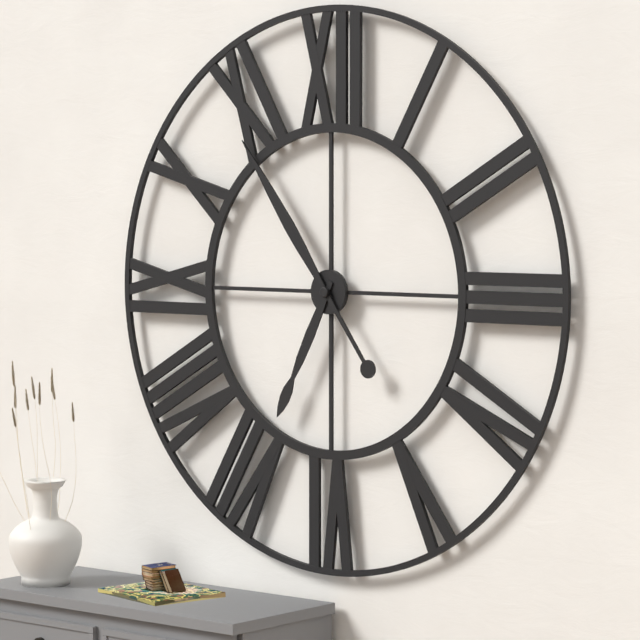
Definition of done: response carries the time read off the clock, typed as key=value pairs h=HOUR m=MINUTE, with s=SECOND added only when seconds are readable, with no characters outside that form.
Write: h=6 m=54
